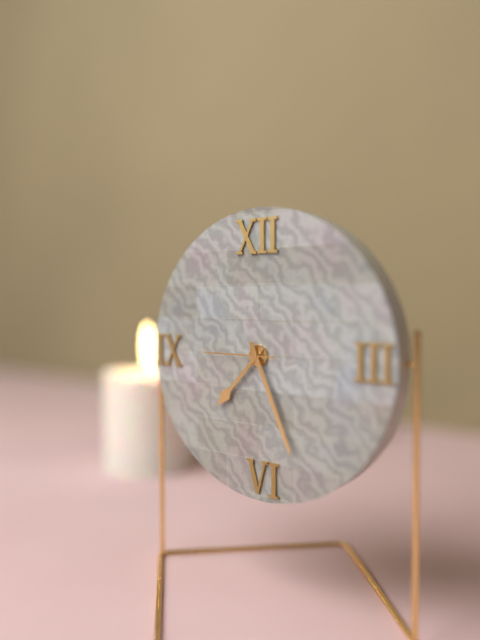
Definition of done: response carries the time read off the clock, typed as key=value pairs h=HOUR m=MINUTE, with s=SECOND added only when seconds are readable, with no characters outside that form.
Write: h=7 m=26 s=45
